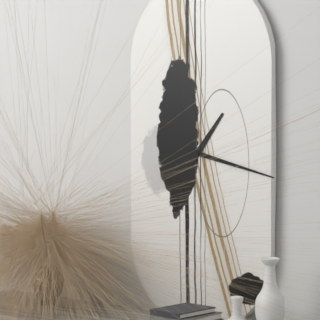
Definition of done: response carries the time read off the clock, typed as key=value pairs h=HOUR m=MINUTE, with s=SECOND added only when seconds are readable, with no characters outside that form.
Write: h=1 m=17
